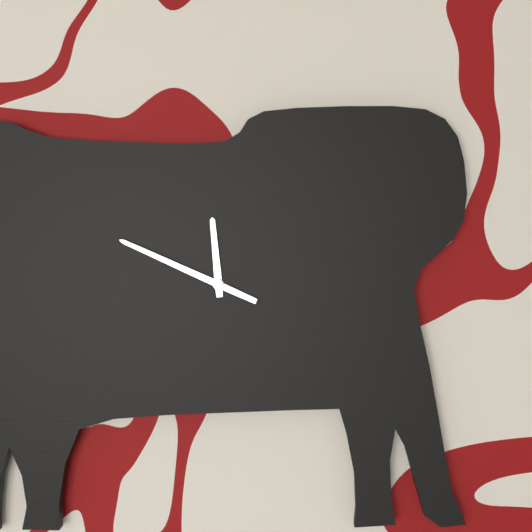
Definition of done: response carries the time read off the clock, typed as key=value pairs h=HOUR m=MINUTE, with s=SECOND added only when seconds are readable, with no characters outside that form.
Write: h=11 m=49
